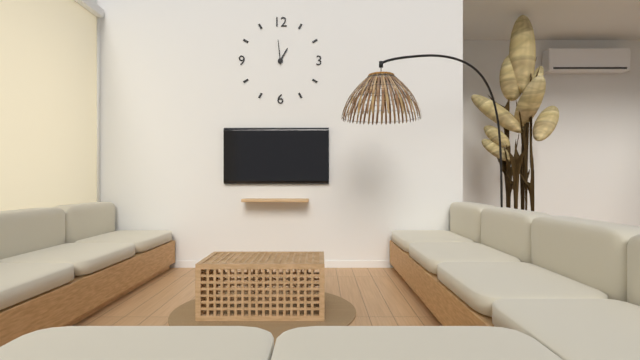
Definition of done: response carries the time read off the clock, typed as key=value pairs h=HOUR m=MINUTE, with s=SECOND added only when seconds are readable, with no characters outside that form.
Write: h=12 m=59
